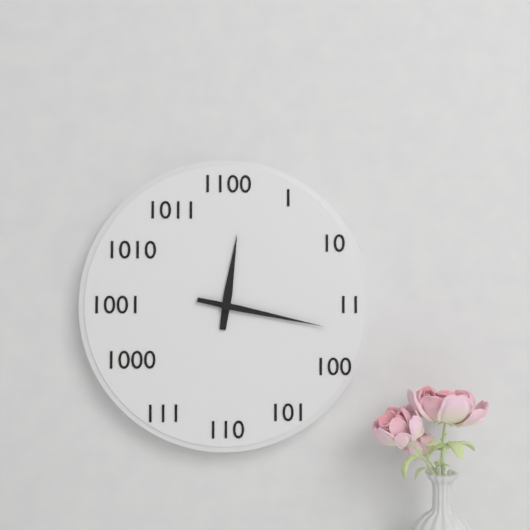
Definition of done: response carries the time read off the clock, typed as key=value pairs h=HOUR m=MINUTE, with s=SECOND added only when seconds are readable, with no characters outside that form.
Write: h=12 m=17
